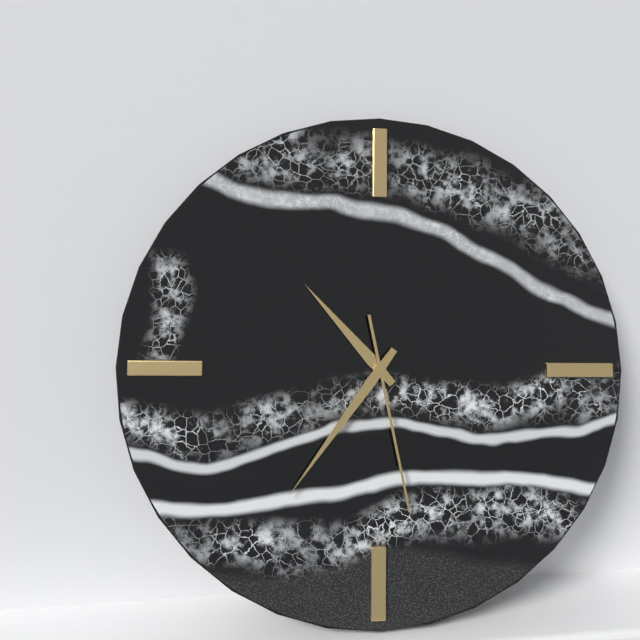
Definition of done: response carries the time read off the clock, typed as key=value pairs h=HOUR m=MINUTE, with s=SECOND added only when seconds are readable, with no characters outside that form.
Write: h=10 m=36 s=28
